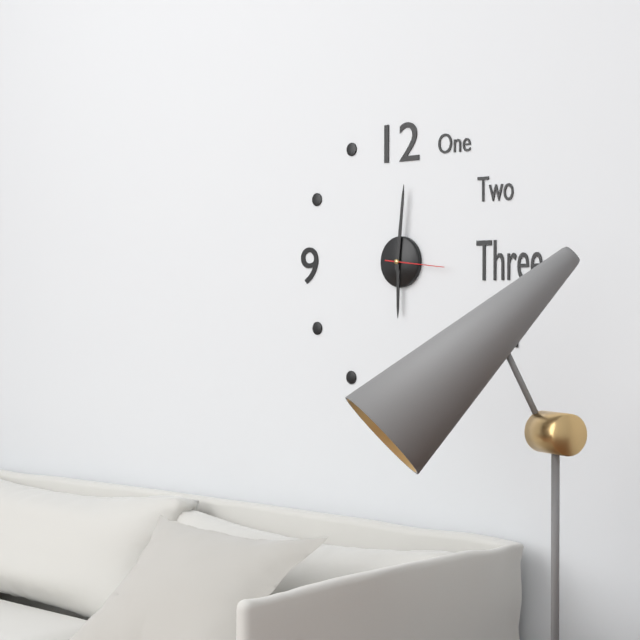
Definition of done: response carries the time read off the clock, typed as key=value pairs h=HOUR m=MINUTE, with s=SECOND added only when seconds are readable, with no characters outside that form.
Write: h=6 m=1 s=16
